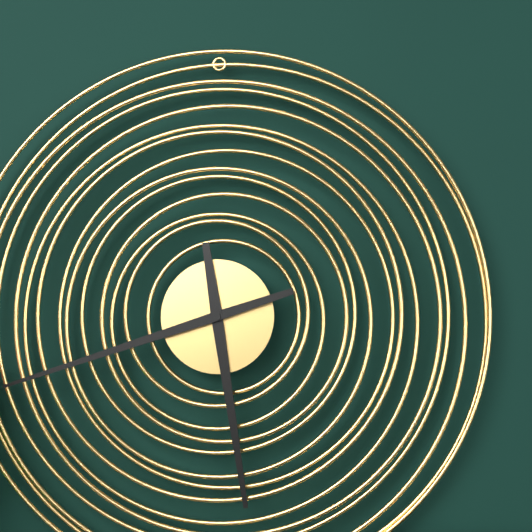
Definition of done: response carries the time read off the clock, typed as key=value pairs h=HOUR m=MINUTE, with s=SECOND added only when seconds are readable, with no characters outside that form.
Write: h=5 m=42
